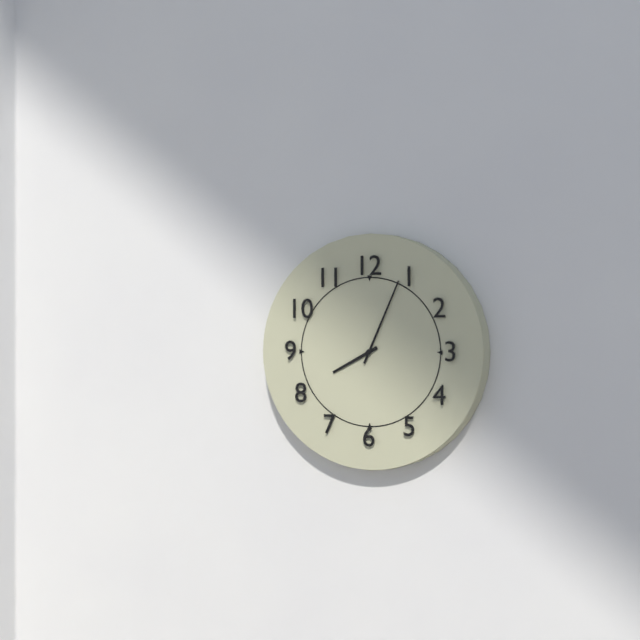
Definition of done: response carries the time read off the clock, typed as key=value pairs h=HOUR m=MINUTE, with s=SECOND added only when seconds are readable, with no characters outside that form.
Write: h=8 m=4
